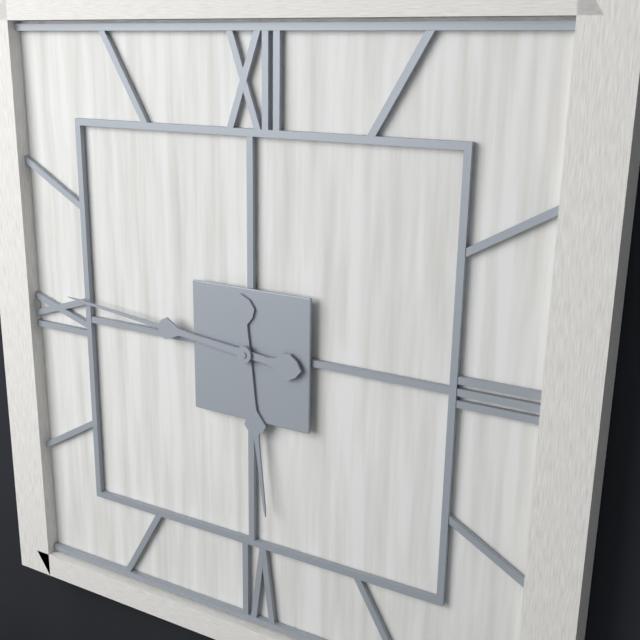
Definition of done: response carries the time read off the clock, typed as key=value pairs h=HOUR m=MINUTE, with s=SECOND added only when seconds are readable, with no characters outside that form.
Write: h=5 m=46
